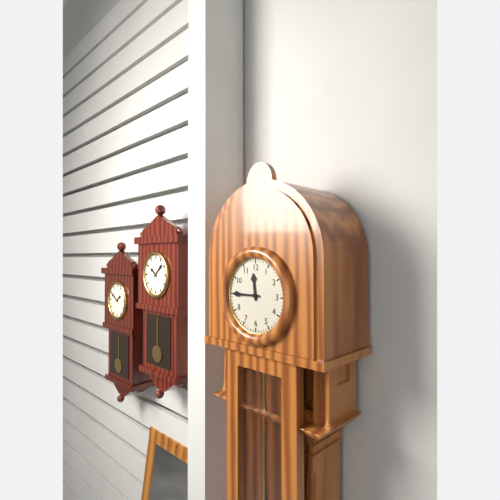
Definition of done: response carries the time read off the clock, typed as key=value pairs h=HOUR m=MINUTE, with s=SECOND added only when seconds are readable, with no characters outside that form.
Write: h=11 m=45
